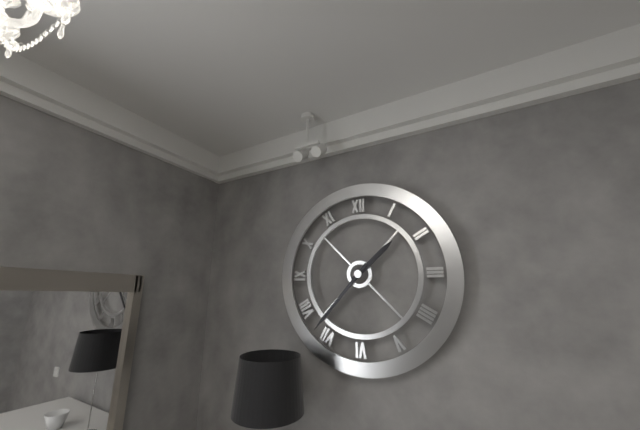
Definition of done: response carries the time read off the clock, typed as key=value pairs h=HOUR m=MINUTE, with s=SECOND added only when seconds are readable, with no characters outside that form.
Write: h=1 m=37
